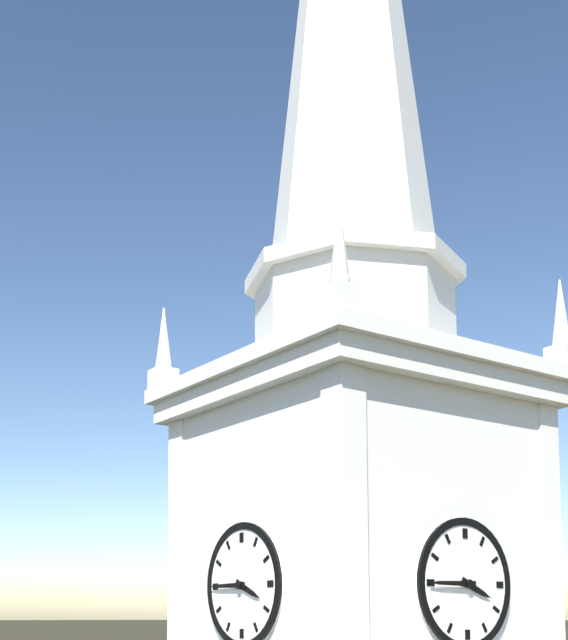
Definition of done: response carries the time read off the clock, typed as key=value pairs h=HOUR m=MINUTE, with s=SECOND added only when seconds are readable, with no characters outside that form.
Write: h=3 m=45
